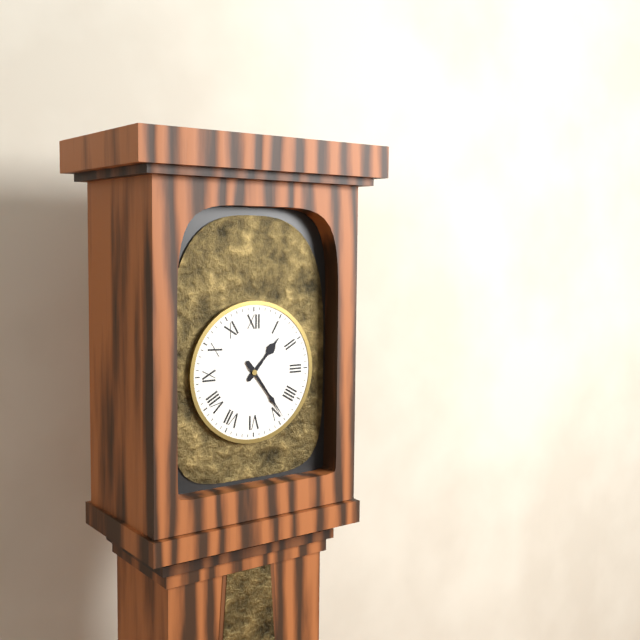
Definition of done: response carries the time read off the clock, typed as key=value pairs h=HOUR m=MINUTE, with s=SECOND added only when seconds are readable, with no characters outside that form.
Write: h=1 m=24
